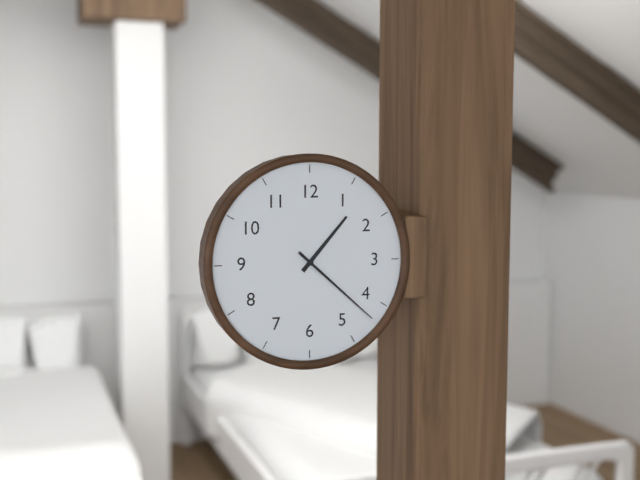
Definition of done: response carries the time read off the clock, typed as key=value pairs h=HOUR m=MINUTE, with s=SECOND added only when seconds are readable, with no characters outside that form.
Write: h=1 m=22
